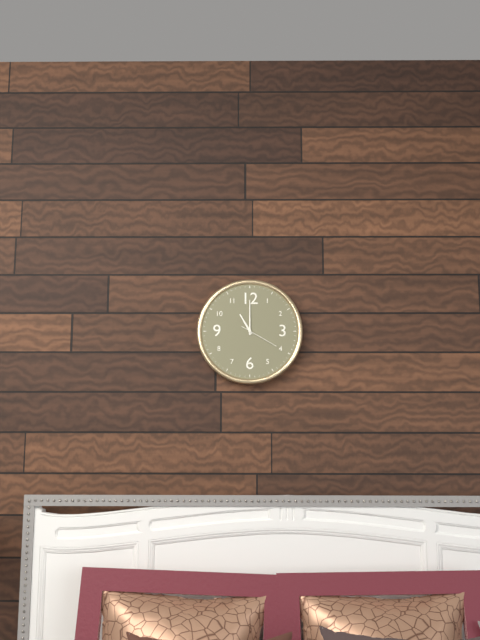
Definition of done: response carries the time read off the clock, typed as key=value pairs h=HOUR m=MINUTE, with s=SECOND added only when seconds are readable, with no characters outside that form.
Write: h=11 m=0
